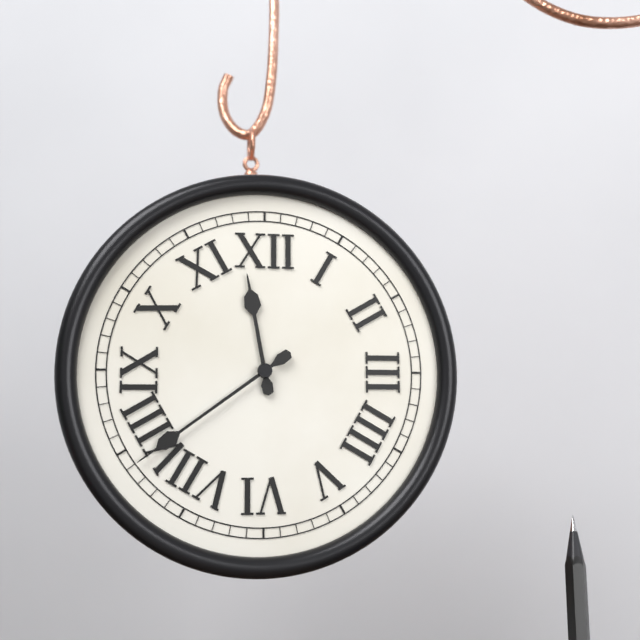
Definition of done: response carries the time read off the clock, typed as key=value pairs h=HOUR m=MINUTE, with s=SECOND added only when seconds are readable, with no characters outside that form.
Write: h=11 m=39
